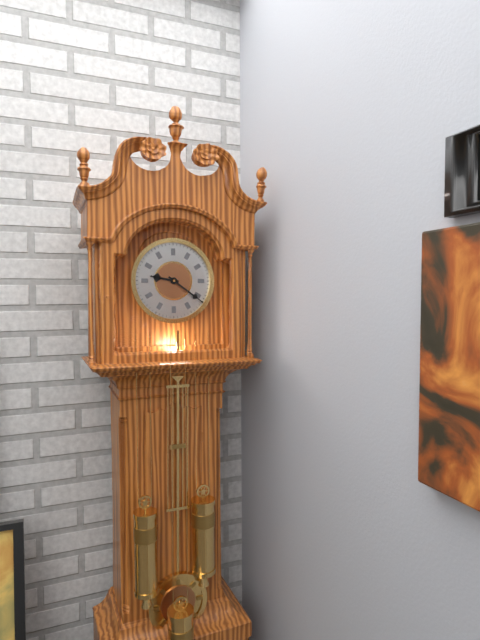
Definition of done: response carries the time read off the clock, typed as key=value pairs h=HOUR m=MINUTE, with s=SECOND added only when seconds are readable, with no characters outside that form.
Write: h=9 m=21
